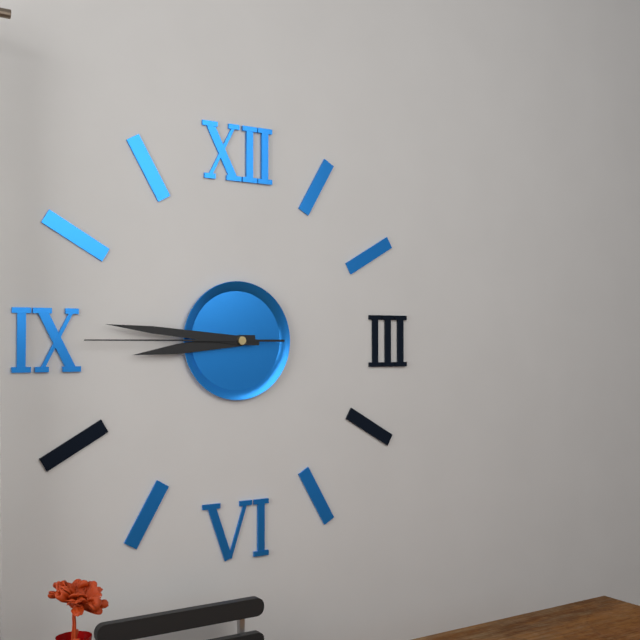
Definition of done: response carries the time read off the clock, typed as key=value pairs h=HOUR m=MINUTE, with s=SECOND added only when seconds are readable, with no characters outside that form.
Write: h=8 m=46 s=45
